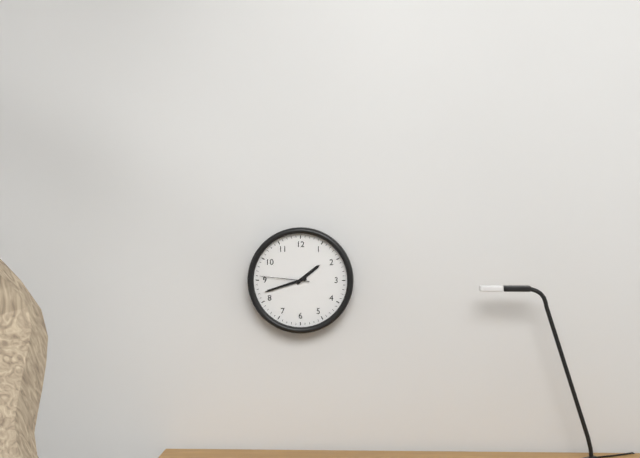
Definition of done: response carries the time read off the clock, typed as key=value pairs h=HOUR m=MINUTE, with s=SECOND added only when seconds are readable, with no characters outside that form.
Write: h=1 m=42 s=46
